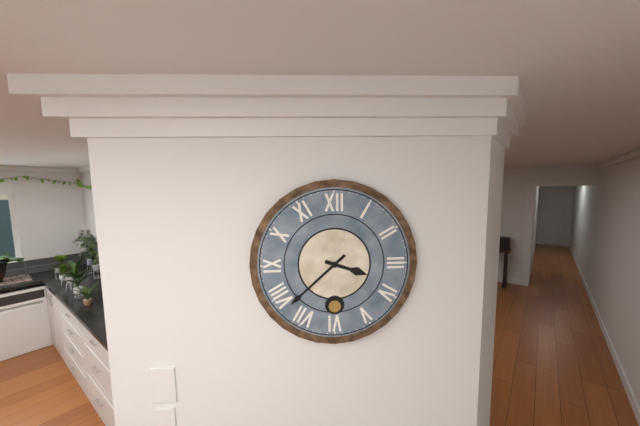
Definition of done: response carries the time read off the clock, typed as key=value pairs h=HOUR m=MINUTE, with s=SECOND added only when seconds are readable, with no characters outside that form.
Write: h=3 m=38
